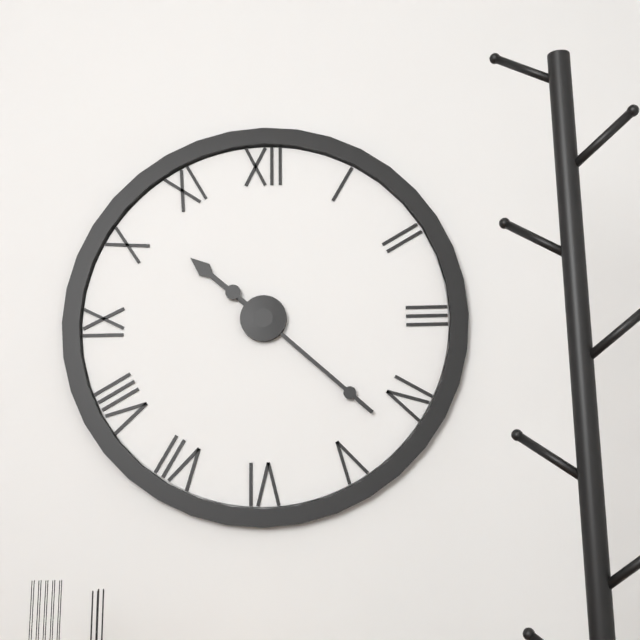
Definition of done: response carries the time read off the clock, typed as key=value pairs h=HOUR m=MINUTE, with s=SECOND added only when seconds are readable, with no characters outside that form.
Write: h=10 m=22
